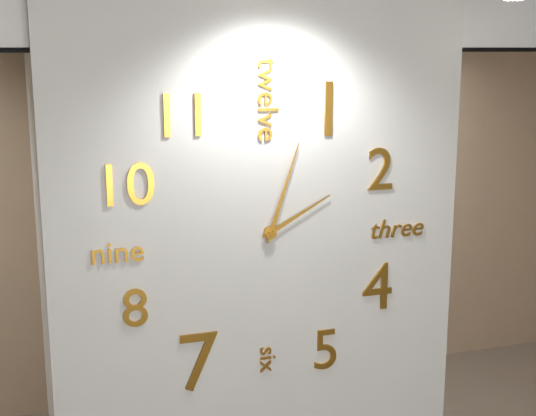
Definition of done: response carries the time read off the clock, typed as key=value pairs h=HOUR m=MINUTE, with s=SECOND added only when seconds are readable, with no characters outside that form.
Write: h=2 m=3
